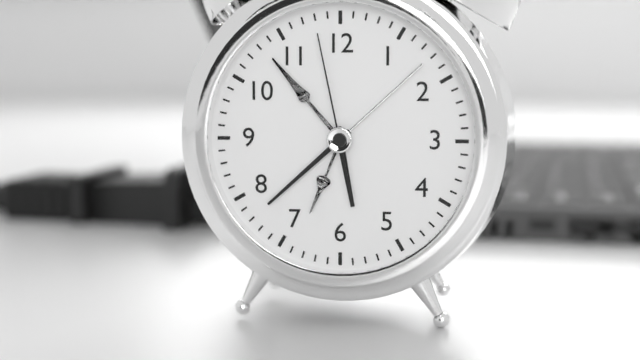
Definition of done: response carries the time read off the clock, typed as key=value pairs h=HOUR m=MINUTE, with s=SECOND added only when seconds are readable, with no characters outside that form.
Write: h=5 m=38 s=58
